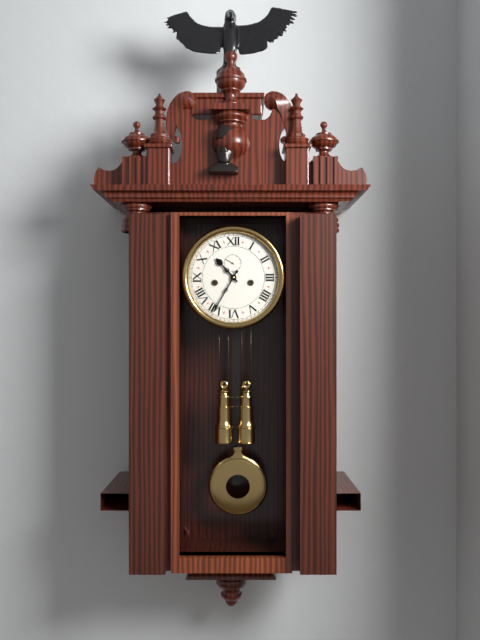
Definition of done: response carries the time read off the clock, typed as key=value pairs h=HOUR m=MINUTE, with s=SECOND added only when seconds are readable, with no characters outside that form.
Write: h=10 m=35
